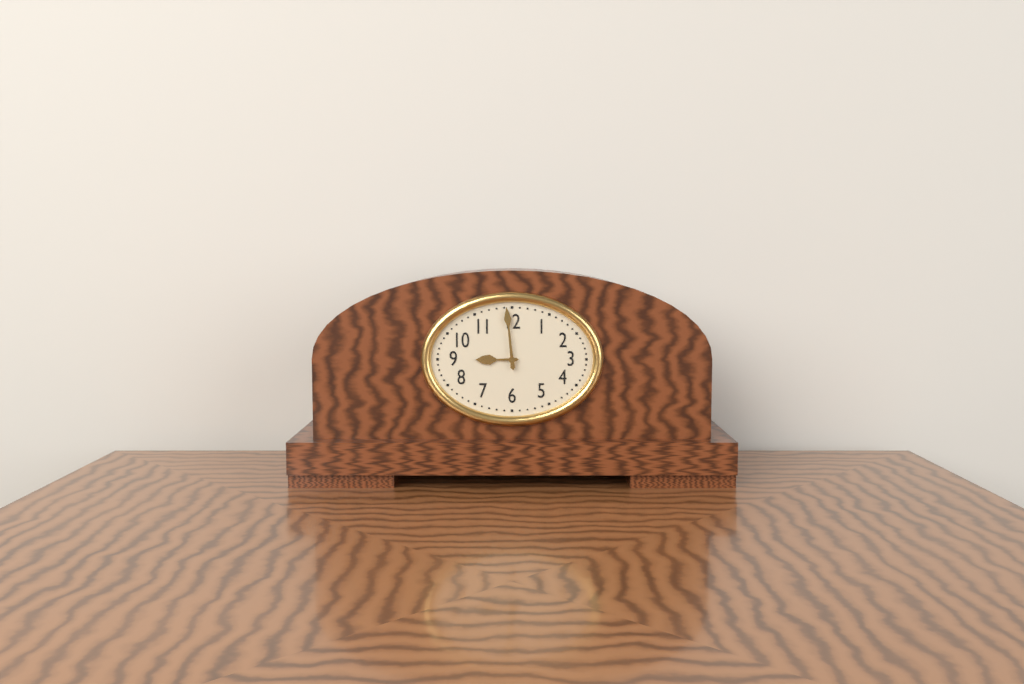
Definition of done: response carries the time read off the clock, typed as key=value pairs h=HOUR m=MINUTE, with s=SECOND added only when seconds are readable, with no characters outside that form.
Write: h=8 m=59
